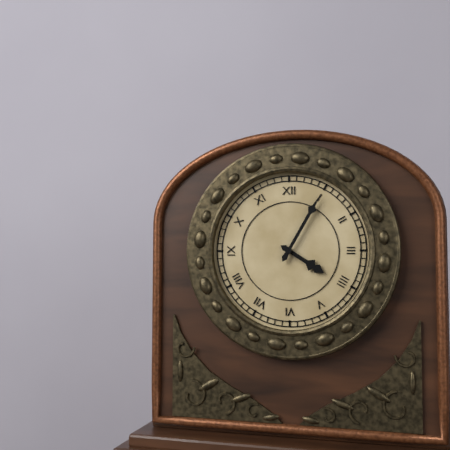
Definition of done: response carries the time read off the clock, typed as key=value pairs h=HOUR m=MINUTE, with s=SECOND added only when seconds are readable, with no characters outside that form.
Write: h=4 m=5
